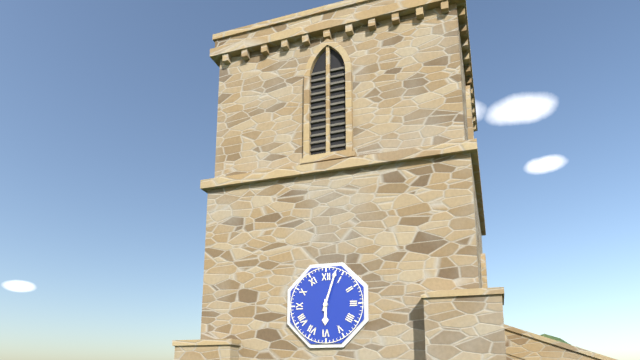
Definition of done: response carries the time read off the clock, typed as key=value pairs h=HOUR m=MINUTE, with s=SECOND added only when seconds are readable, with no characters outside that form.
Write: h=6 m=3
